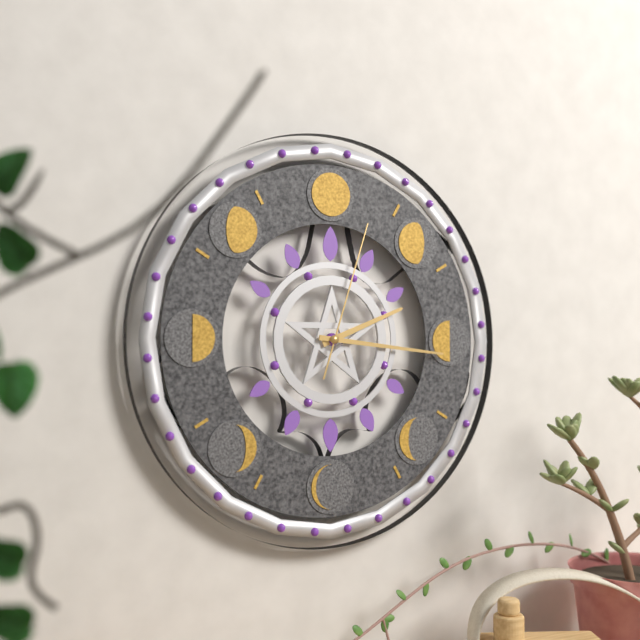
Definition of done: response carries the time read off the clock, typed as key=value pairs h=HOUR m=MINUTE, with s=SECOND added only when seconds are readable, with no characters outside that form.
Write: h=2 m=16 s=3
